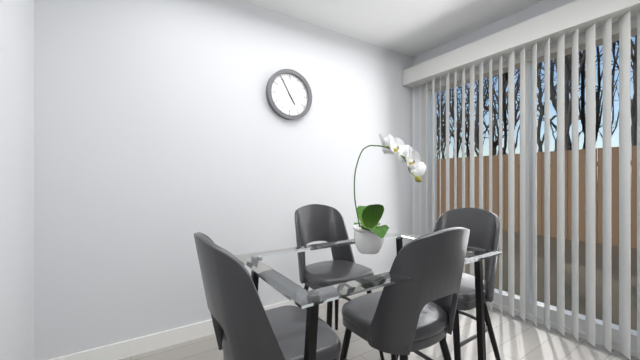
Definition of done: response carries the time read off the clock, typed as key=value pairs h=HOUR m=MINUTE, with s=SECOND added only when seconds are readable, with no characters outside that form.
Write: h=4 m=55
